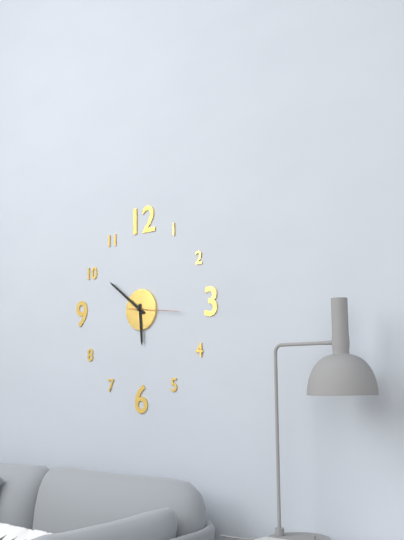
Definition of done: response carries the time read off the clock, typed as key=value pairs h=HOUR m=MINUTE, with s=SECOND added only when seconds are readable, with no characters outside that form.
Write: h=5 m=51
